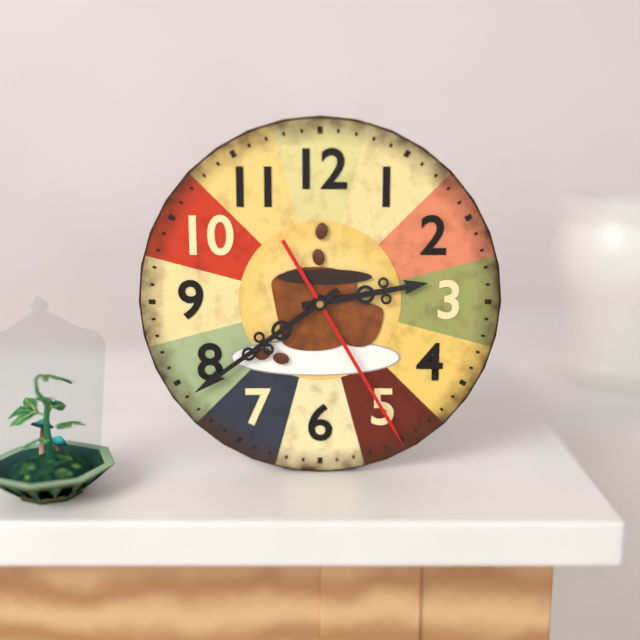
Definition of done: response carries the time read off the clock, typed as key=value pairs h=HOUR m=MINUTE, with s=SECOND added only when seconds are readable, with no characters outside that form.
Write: h=2 m=39 s=25
